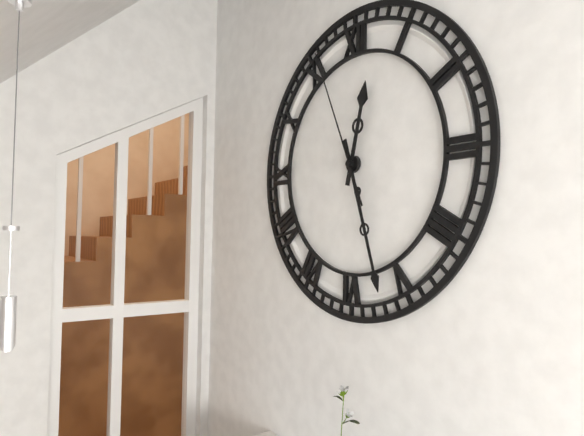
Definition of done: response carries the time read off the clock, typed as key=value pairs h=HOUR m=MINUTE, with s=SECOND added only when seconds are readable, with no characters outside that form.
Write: h=12 m=27 s=56
